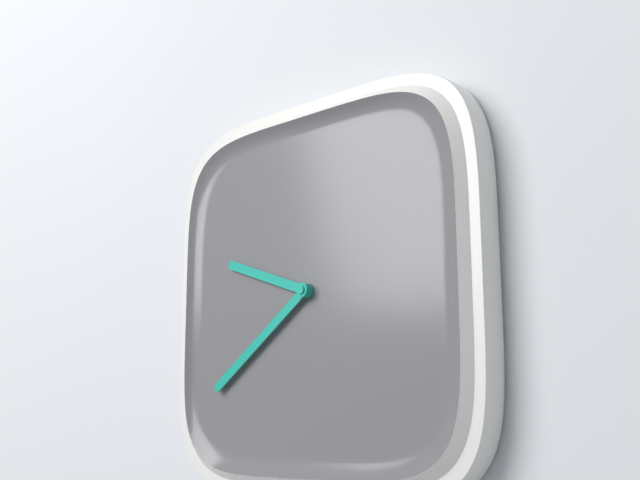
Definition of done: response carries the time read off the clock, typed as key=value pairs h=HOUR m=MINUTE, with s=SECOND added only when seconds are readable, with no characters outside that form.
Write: h=9 m=39
